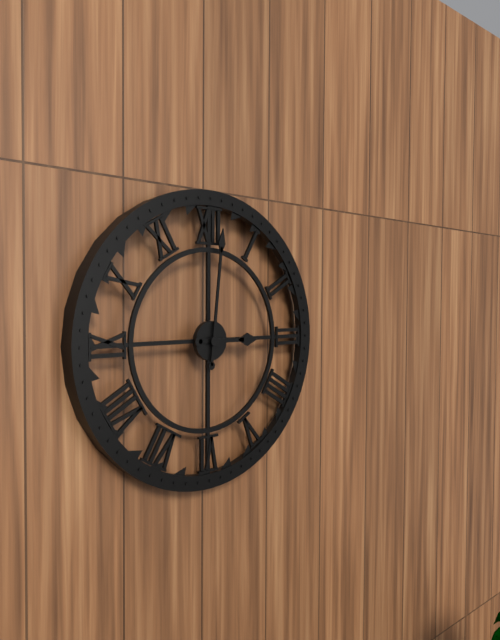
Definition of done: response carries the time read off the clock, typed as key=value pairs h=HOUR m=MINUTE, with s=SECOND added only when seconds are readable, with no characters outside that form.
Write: h=3 m=1
